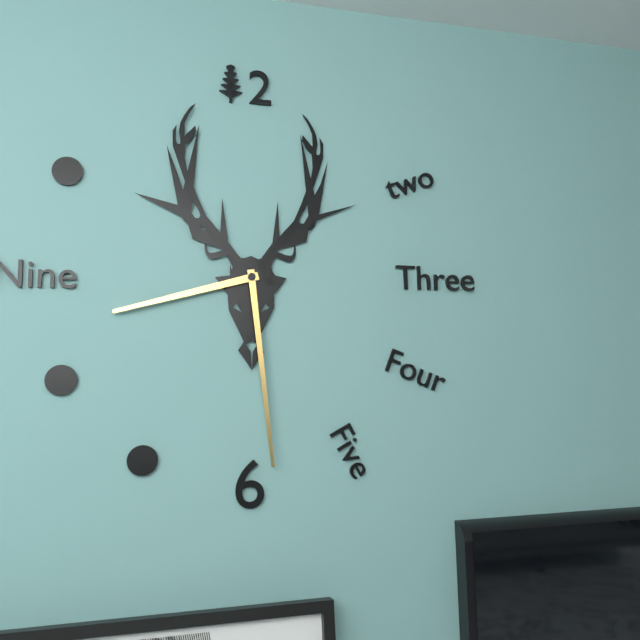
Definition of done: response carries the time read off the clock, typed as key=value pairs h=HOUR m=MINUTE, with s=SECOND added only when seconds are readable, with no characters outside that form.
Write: h=8 m=29
